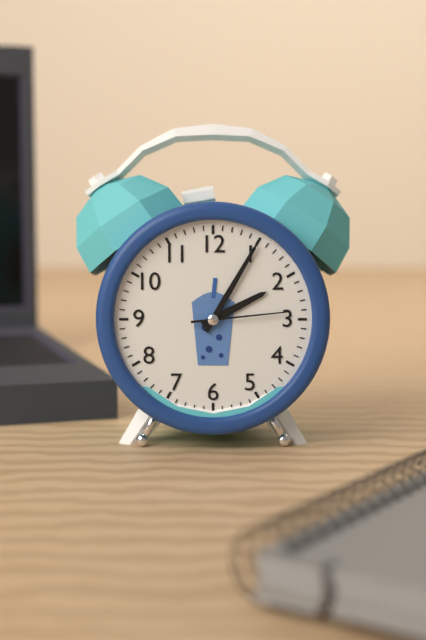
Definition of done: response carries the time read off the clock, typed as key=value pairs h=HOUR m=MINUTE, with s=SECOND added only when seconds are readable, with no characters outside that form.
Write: h=2 m=5 s=14
